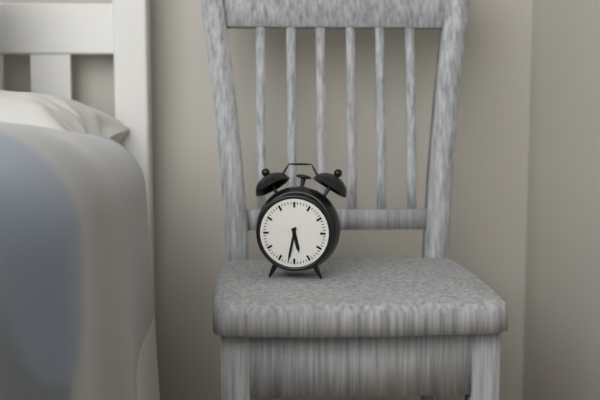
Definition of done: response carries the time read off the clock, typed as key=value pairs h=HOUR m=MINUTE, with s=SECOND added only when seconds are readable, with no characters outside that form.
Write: h=5 m=32
